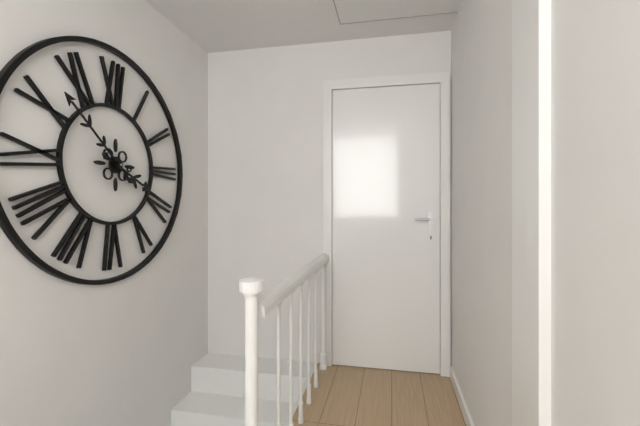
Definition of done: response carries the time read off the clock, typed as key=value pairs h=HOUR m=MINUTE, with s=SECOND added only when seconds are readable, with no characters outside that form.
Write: h=3 m=52
